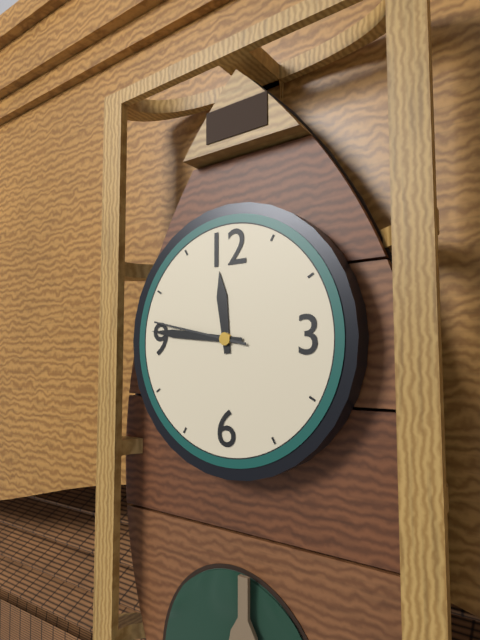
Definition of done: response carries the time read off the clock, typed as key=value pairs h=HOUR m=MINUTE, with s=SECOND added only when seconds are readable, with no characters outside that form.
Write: h=11 m=46 s=47
